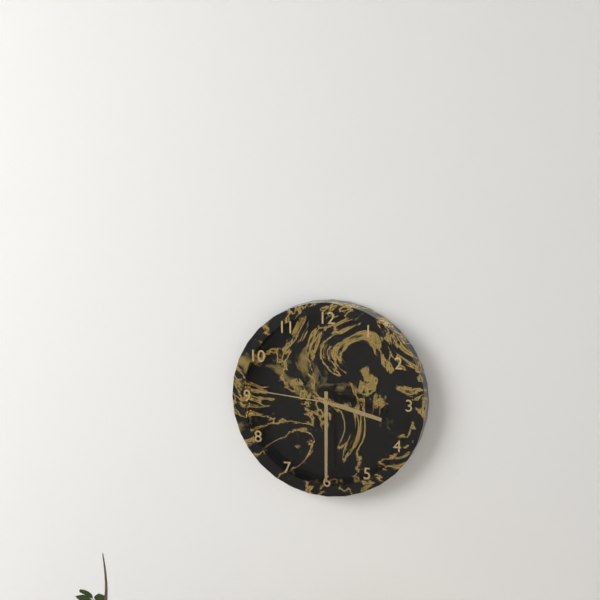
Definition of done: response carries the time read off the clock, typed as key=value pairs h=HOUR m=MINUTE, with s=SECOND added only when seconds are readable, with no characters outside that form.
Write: h=3 m=30 s=46
